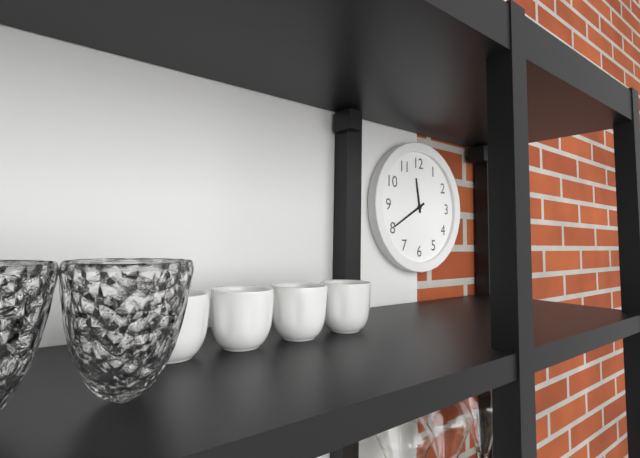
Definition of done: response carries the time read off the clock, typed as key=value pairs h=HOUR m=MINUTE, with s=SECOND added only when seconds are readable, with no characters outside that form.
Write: h=11 m=40
